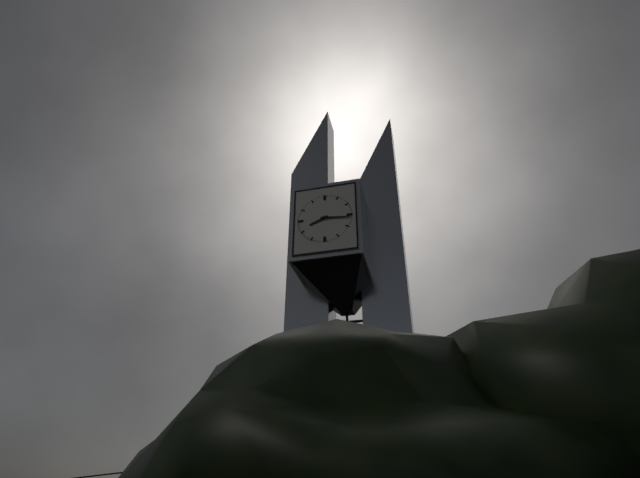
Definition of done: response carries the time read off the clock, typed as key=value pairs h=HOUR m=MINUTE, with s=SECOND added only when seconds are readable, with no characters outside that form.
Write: h=8 m=16
